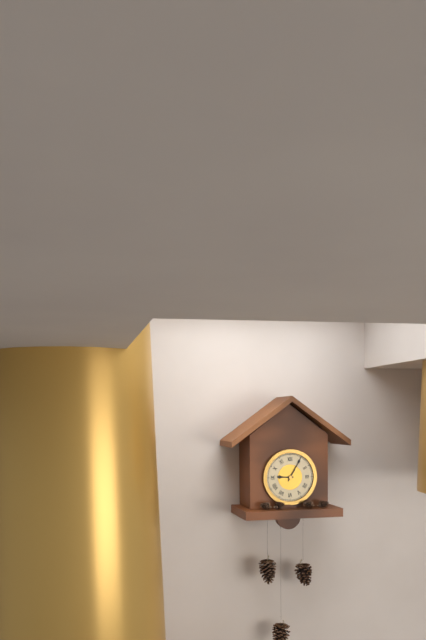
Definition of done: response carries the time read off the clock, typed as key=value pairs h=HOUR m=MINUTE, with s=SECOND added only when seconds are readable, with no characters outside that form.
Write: h=9 m=5
